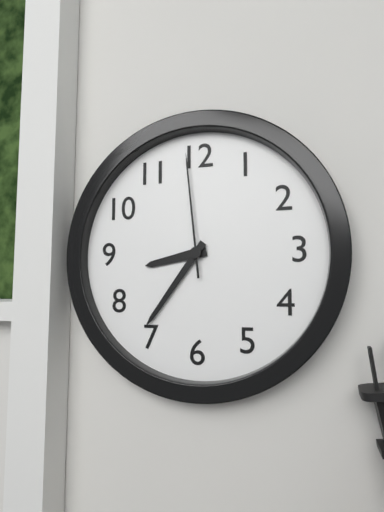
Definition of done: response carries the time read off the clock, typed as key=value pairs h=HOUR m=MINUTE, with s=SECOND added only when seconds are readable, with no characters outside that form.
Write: h=8 m=36 s=59
